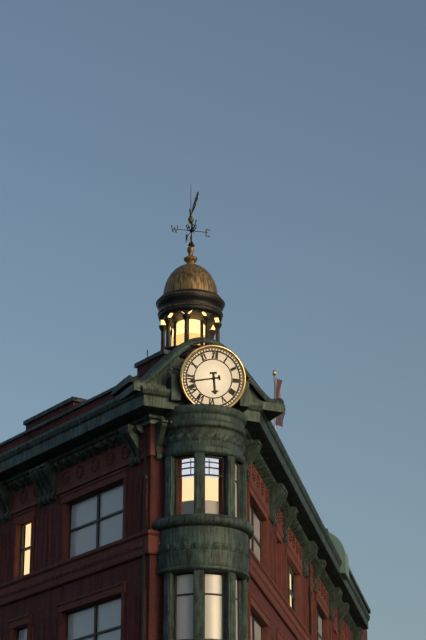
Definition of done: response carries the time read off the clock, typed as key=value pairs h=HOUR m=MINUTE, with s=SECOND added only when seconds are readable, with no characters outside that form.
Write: h=5 m=43
